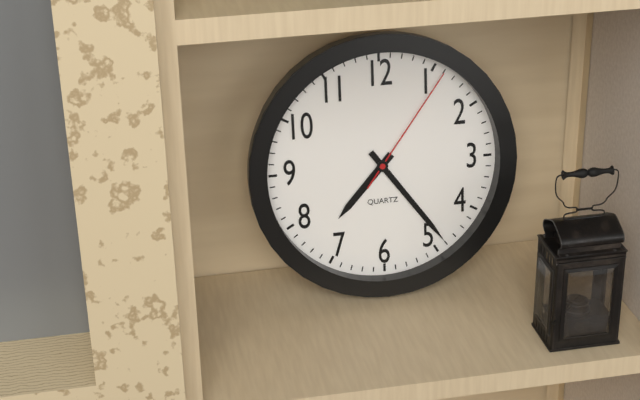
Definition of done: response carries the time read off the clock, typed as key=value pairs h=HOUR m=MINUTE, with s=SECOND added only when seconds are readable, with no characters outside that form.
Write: h=7 m=24 s=6
